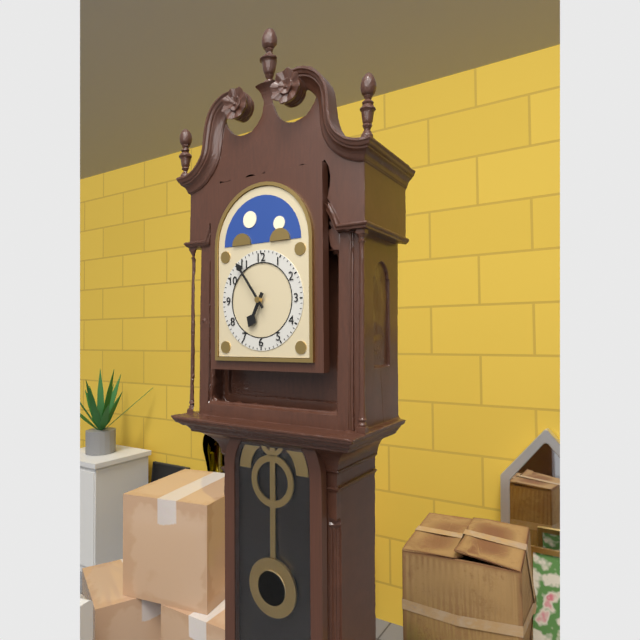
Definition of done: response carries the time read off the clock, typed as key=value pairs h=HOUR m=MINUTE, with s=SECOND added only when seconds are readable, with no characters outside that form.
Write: h=6 m=54
